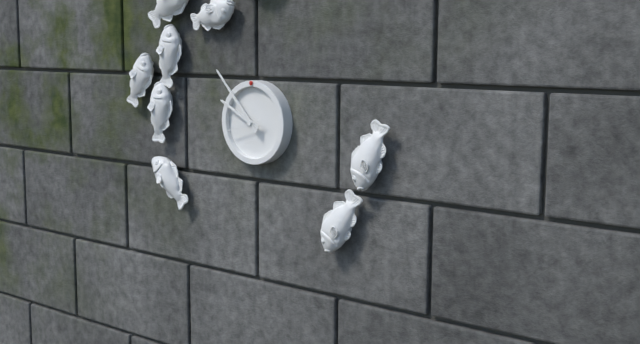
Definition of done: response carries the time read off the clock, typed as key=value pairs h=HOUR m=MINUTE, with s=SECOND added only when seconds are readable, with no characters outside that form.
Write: h=9 m=53
